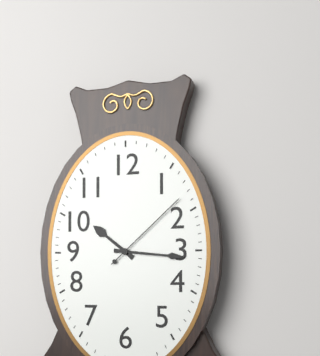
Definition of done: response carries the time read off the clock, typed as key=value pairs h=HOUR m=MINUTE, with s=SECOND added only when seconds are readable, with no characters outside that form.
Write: h=10 m=16 s=8
